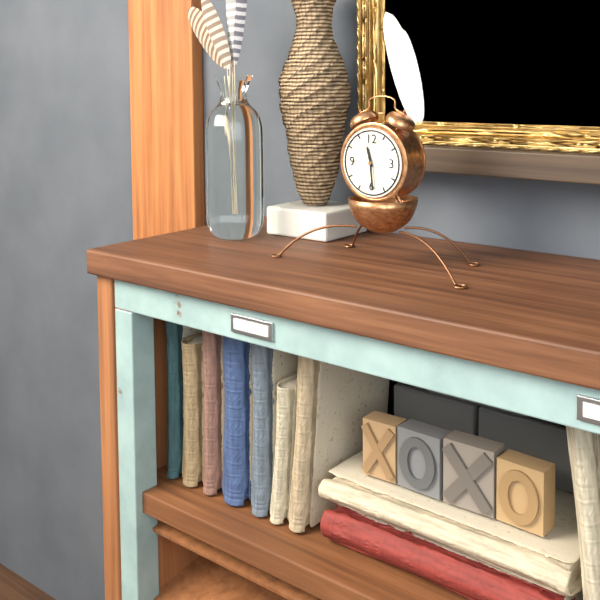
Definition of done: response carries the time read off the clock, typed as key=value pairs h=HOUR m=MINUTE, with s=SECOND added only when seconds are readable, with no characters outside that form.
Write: h=11 m=29
